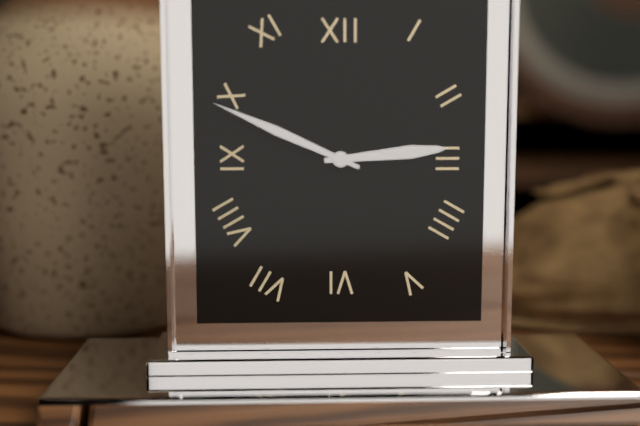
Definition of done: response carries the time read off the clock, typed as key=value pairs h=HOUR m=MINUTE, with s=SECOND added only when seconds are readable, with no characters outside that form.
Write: h=2 m=49
